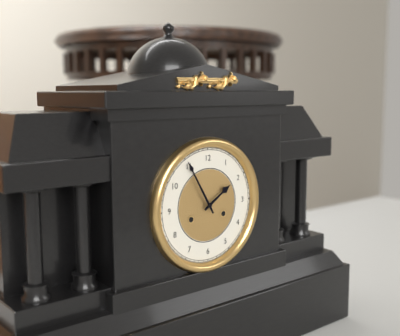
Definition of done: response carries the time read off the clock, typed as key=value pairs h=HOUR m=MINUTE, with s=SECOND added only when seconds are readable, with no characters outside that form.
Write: h=1 m=55
